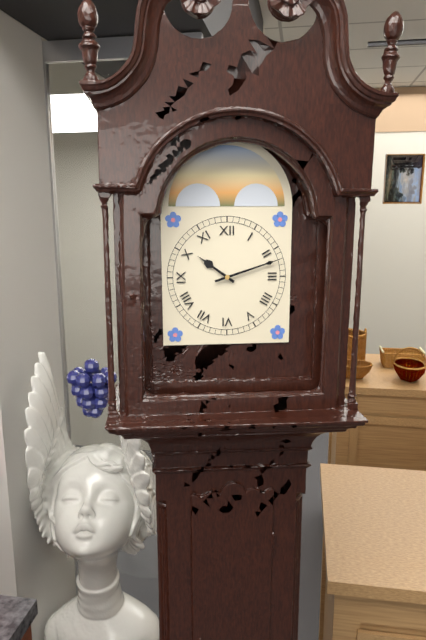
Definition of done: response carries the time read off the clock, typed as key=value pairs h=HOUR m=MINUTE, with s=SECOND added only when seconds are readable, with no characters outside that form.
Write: h=10 m=12
